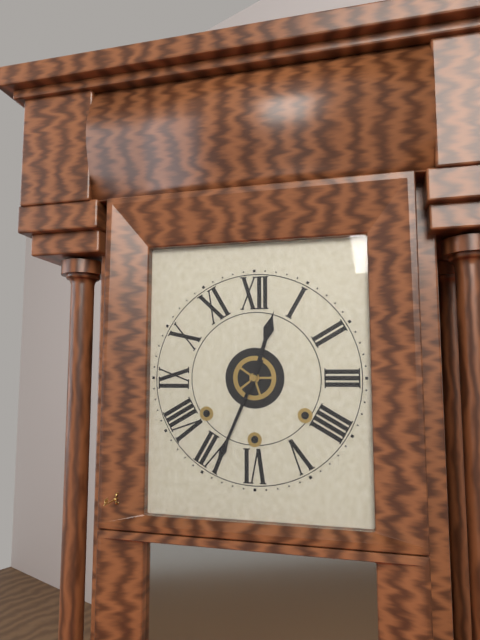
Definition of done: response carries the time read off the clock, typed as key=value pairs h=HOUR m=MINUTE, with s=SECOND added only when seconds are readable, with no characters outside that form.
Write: h=12 m=34
